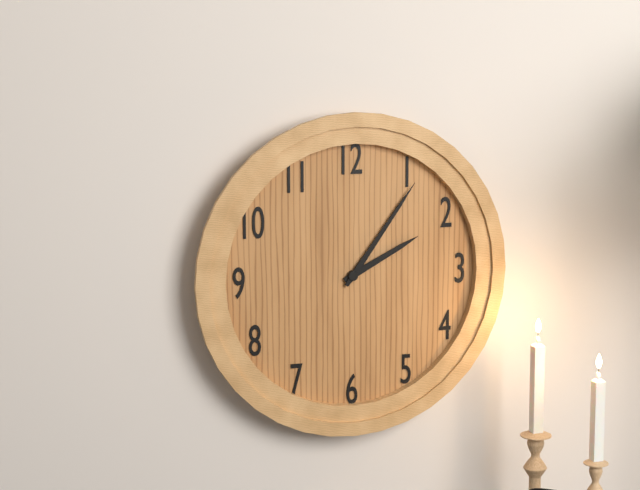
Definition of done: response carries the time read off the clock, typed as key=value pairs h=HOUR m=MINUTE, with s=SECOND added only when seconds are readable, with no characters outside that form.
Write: h=2 m=6
